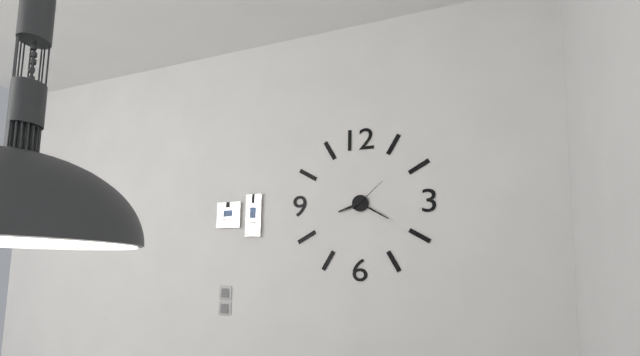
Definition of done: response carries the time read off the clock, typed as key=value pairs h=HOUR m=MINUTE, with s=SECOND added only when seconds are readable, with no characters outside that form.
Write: h=8 m=20
